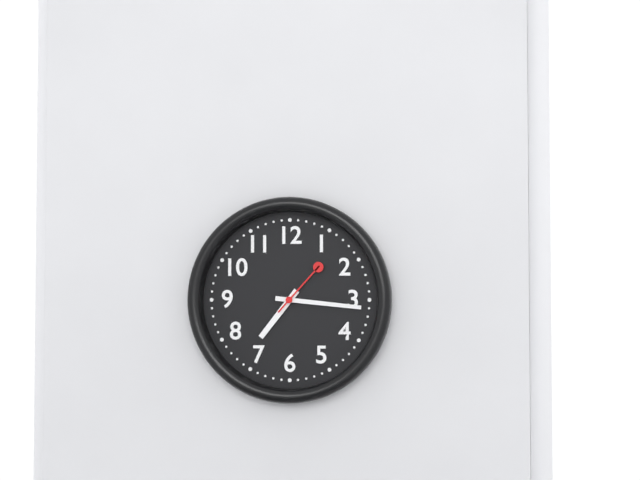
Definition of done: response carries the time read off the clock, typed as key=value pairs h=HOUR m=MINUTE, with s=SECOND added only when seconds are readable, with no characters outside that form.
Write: h=7 m=16 s=7
